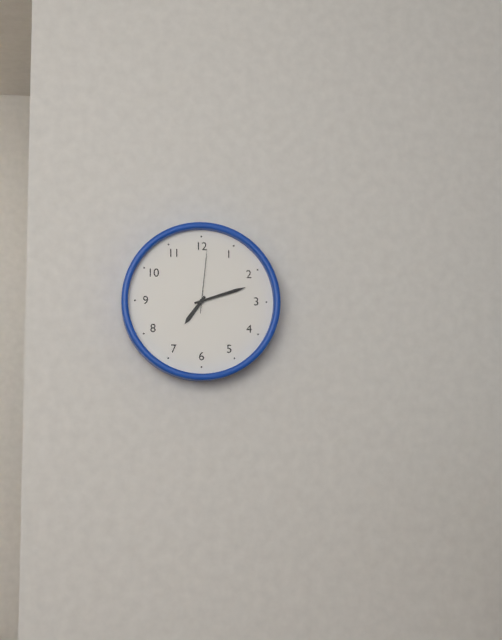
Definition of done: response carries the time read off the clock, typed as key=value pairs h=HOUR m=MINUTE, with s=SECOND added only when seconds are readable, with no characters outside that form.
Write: h=7 m=12 s=1
